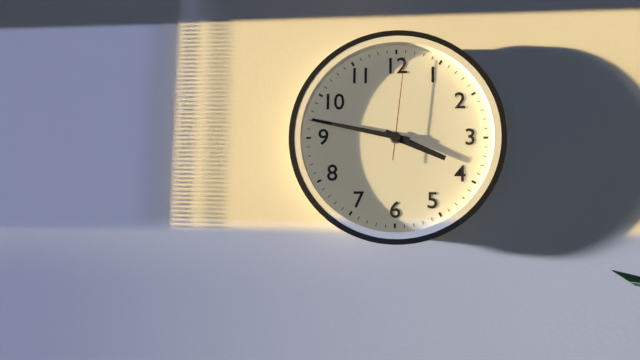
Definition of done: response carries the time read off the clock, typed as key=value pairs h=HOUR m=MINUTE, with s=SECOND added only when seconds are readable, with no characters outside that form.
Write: h=3 m=47 s=1
